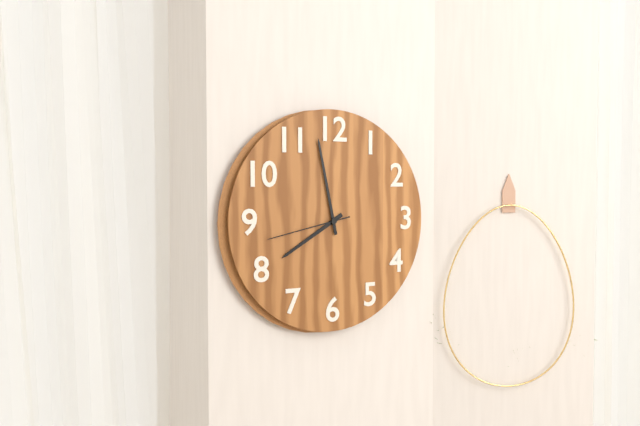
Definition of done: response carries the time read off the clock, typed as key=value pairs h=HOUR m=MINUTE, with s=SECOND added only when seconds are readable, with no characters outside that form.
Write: h=7 m=58 s=43
